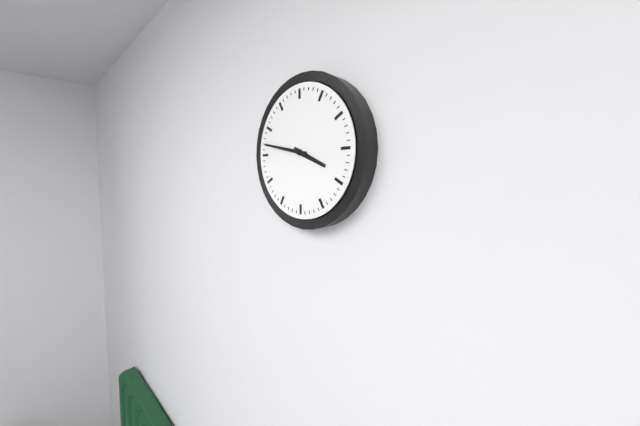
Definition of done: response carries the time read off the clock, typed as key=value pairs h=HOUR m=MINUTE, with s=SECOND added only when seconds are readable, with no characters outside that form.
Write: h=3 m=47
